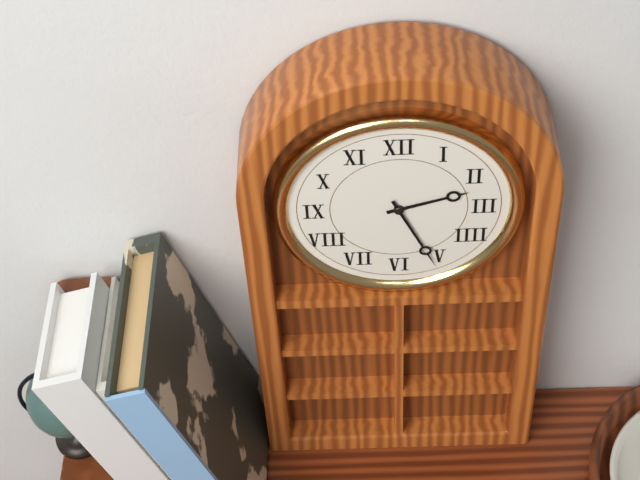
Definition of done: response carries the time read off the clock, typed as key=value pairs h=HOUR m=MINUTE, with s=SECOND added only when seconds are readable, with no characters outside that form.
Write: h=2 m=26
